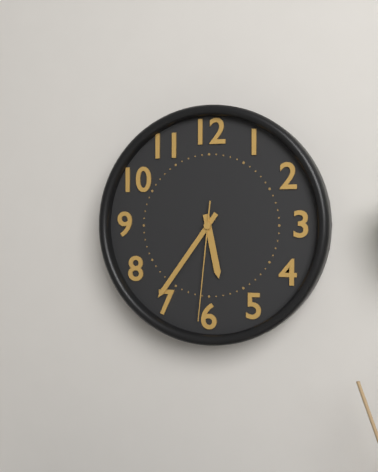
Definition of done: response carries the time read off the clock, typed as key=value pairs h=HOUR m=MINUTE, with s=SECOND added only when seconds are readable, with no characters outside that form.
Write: h=5 m=36 s=31
